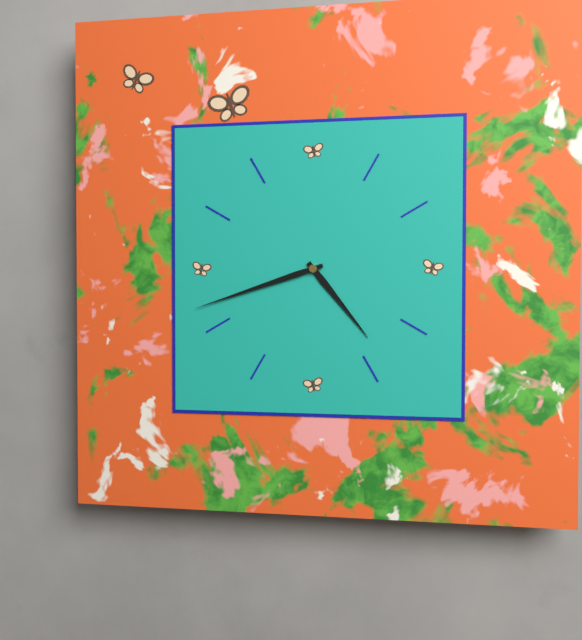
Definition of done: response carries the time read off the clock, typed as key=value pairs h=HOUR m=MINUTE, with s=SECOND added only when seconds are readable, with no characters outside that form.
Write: h=4 m=42
